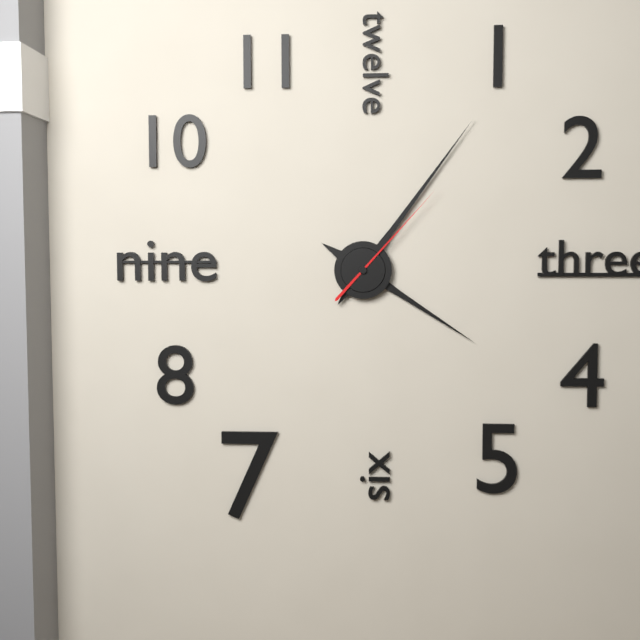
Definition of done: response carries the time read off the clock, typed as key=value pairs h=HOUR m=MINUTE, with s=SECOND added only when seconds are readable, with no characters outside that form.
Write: h=4 m=6 s=7
